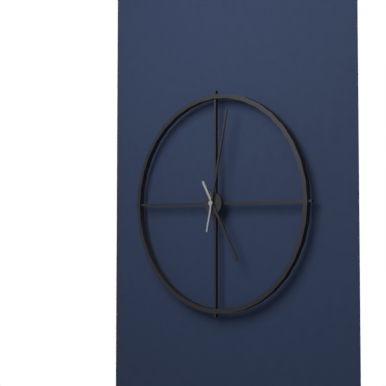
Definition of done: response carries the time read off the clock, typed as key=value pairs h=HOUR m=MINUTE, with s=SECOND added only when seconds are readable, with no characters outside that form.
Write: h=5 m=2
